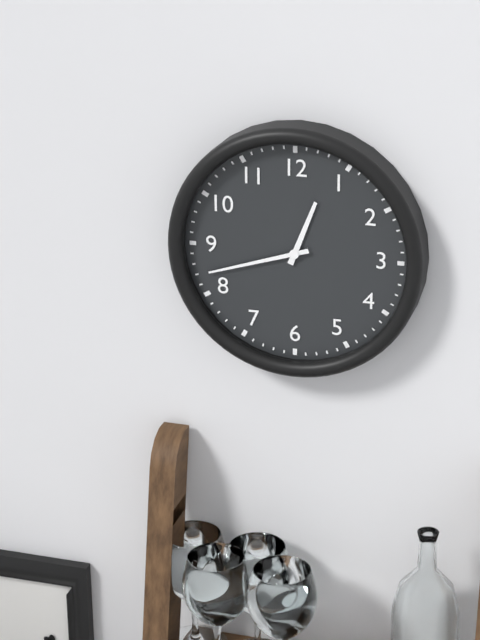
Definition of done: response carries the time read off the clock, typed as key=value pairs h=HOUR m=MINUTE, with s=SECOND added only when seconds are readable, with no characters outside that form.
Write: h=12 m=42
